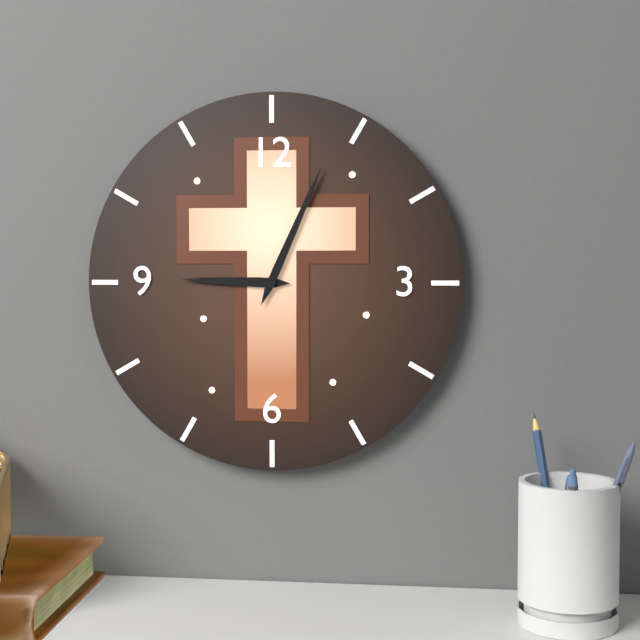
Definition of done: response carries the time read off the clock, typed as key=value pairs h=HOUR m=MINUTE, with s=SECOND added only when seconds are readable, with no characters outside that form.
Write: h=9 m=4
